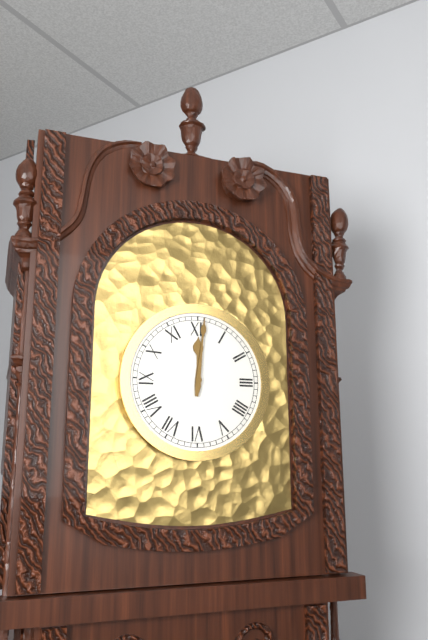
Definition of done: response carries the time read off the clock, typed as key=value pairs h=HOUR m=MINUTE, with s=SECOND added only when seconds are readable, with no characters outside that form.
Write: h=12 m=1
